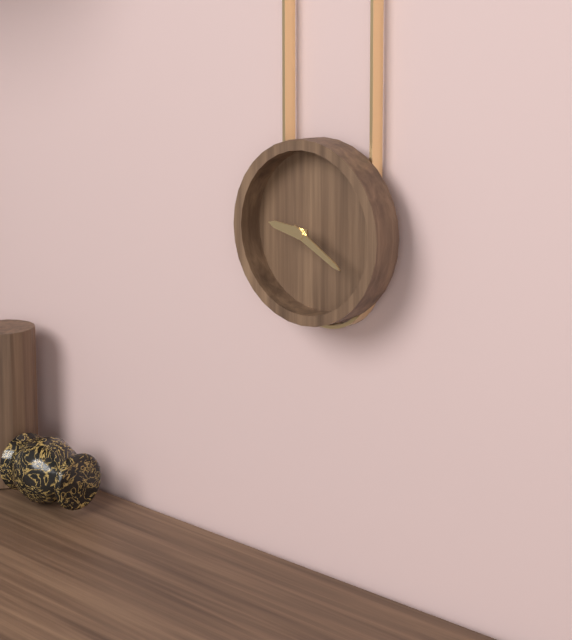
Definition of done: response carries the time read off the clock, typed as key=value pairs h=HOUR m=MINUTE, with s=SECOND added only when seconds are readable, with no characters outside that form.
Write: h=9 m=20
